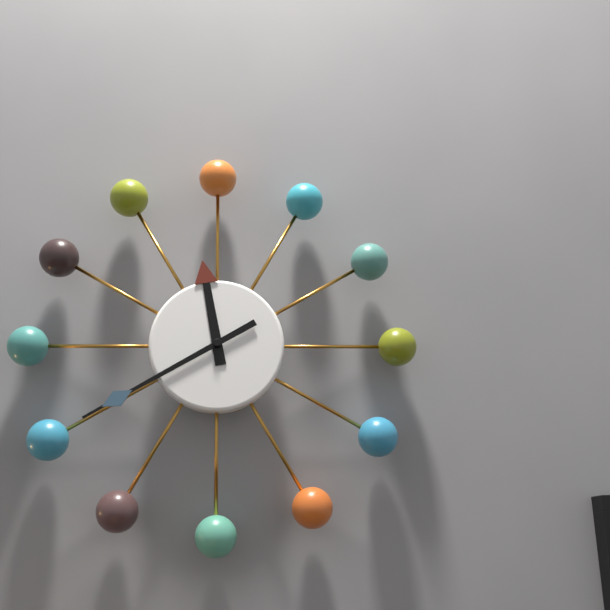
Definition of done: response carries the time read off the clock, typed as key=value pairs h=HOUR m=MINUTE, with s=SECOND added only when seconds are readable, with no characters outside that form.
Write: h=11 m=40
